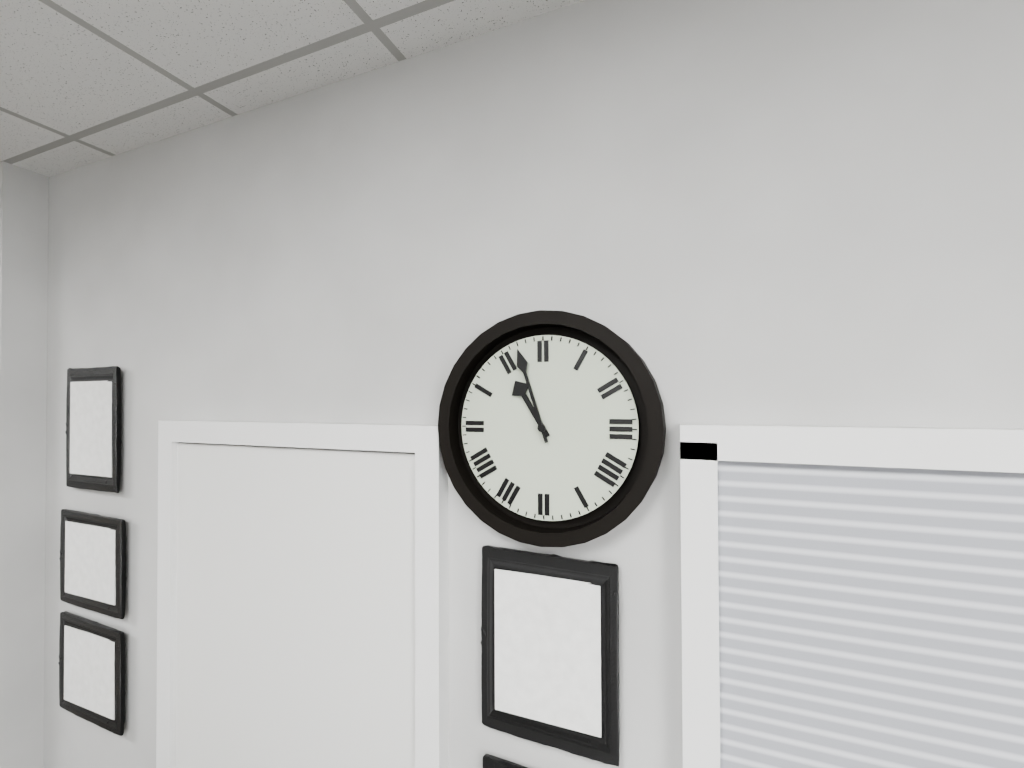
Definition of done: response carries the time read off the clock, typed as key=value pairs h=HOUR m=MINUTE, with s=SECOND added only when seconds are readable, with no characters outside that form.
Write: h=10 m=57
